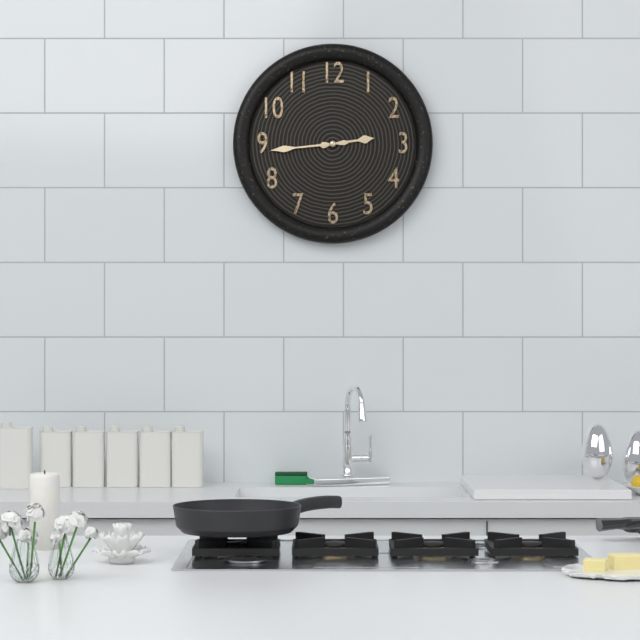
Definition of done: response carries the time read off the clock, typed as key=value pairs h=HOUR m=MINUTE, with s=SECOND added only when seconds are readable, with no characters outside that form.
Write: h=2 m=44
